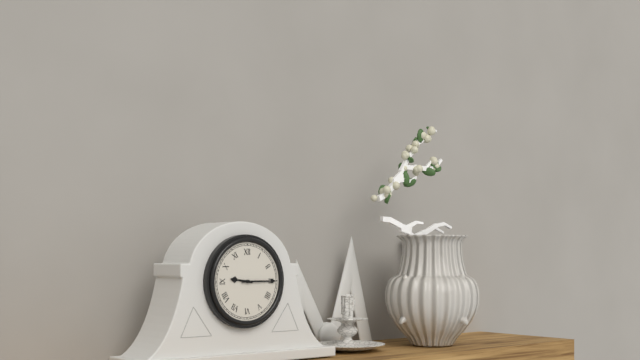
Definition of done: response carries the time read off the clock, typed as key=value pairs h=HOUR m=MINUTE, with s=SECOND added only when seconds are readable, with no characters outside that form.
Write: h=9 m=15
